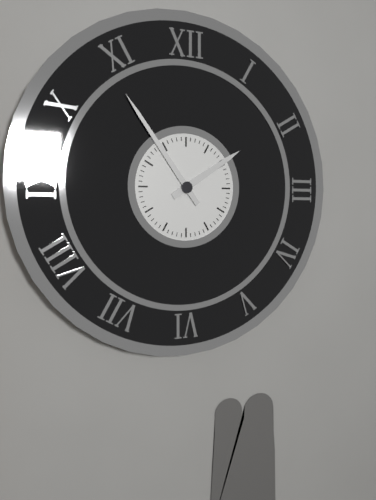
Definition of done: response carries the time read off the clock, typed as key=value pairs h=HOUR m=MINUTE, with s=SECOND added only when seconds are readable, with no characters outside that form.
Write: h=1 m=54
